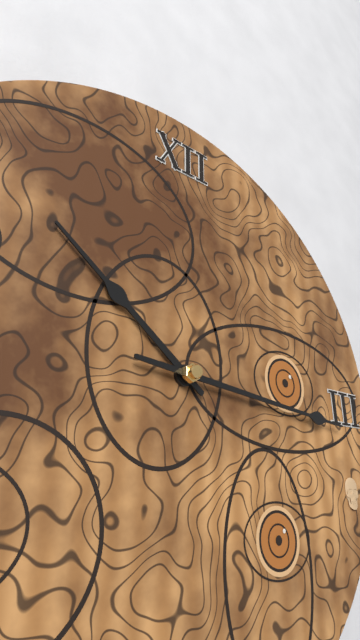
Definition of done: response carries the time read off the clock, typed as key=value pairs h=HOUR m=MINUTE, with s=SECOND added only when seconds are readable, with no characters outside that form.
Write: h=10 m=16
